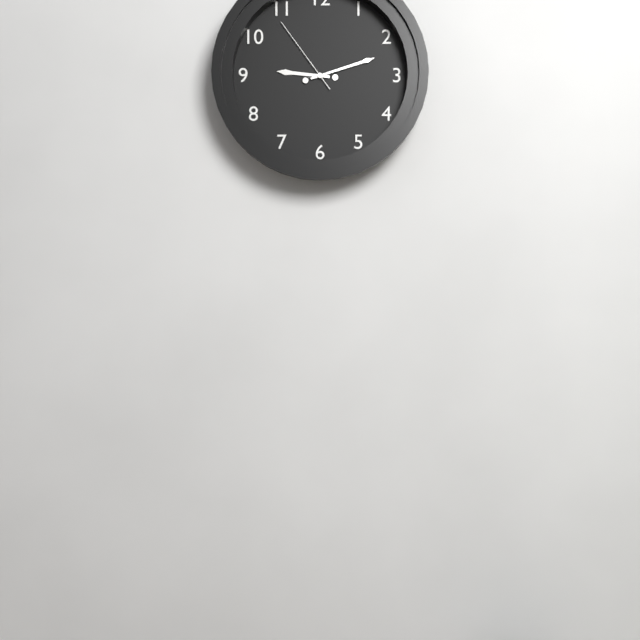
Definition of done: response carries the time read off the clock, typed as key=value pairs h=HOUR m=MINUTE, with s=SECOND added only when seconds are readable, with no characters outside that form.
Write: h=9 m=12 s=54
